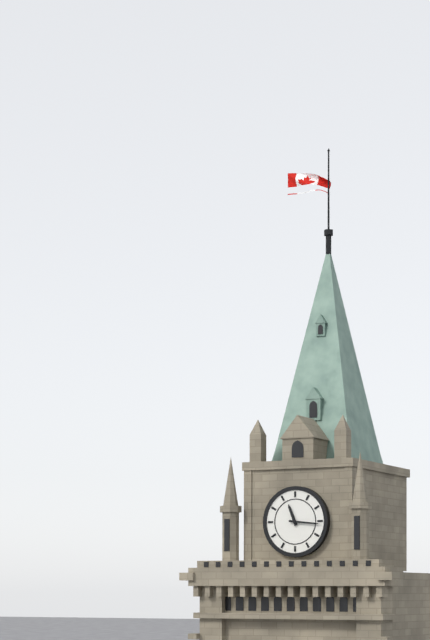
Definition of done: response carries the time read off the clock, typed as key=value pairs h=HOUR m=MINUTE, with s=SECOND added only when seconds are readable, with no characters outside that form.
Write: h=11 m=16
